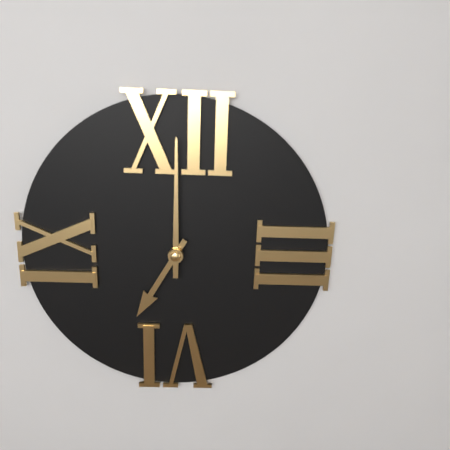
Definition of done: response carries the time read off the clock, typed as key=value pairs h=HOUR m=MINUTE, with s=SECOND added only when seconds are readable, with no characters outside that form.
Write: h=7 m=0
